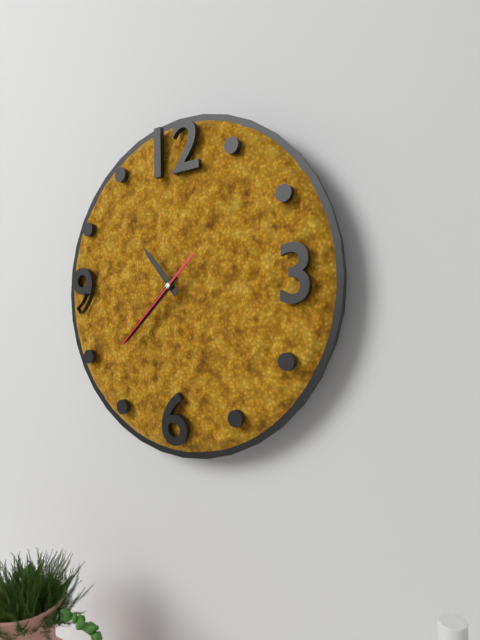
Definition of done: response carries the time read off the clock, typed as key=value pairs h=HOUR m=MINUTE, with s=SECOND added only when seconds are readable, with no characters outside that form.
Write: h=10 m=38 s=38
